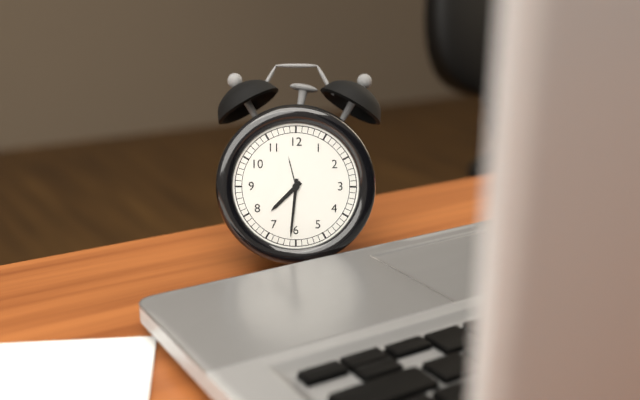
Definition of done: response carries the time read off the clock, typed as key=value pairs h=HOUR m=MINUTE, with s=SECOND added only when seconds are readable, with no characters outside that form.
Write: h=7 m=31
